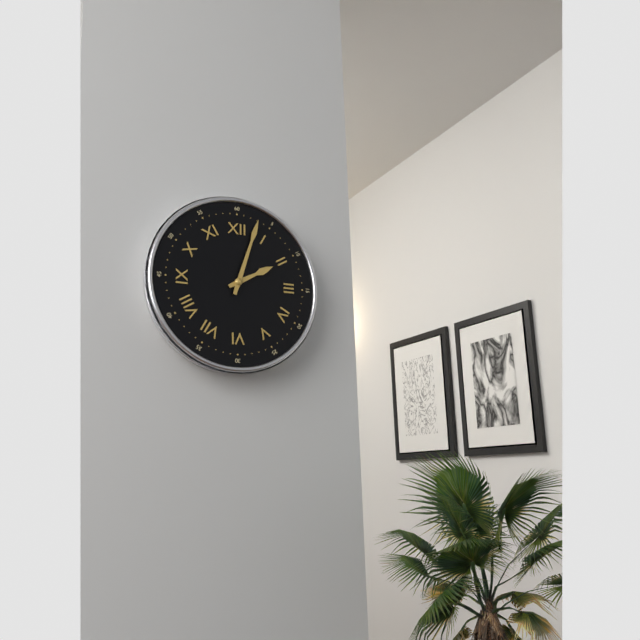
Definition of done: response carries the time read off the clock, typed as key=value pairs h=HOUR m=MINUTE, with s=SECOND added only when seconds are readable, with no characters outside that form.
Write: h=2 m=3
